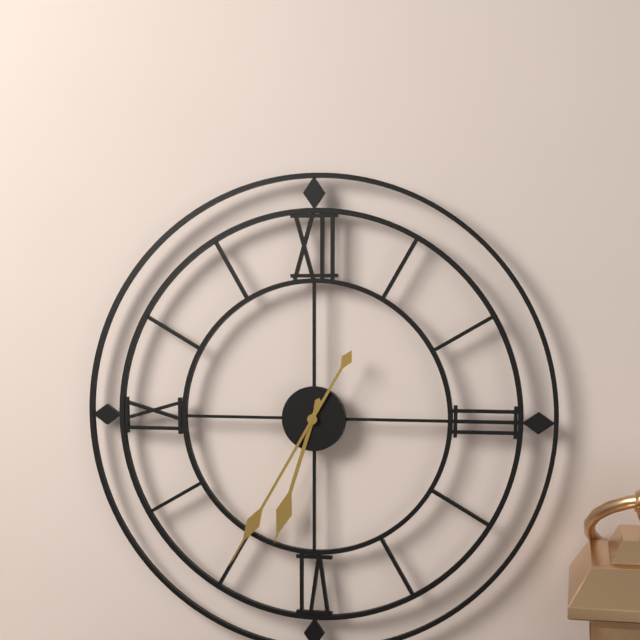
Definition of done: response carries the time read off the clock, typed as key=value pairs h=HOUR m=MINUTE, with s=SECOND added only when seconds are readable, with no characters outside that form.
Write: h=6 m=35
